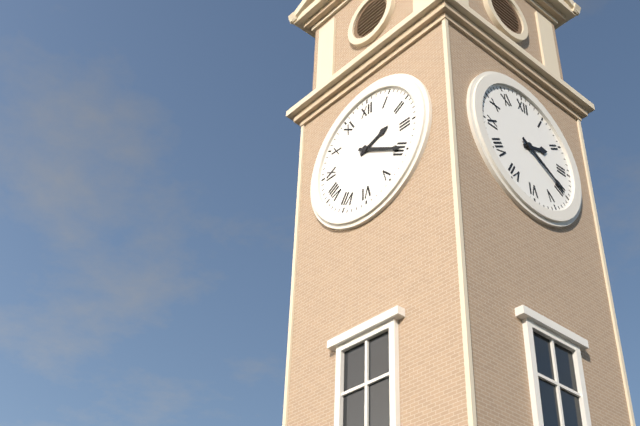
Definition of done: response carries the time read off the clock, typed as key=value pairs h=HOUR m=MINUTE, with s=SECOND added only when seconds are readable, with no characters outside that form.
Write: h=2 m=20
